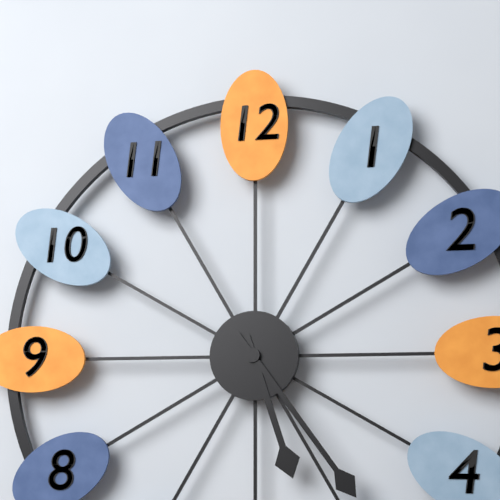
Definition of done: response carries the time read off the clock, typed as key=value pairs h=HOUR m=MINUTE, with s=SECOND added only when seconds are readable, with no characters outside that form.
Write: h=5 m=24
